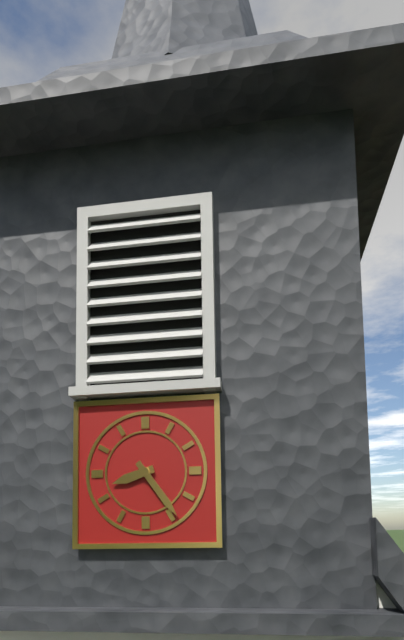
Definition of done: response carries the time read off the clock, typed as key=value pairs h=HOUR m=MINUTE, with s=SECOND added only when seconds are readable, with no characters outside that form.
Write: h=8 m=24
